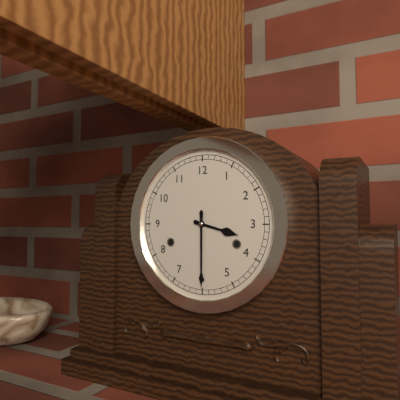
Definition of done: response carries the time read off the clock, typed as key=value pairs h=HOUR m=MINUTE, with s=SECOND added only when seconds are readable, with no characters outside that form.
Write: h=3 m=30
